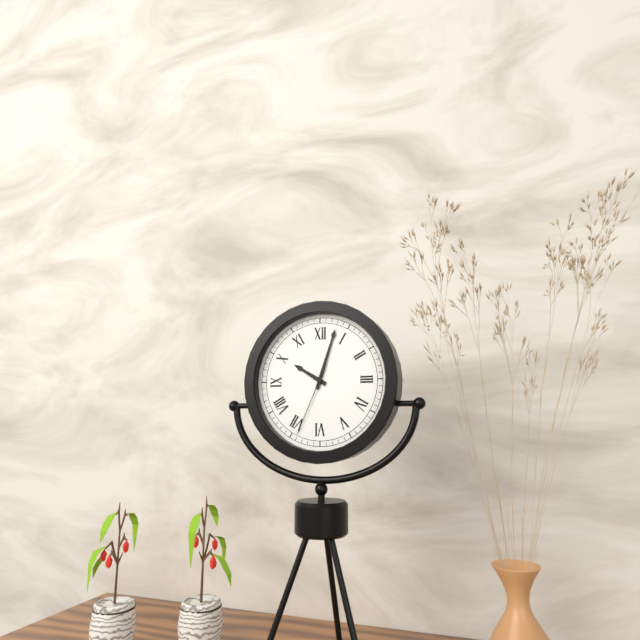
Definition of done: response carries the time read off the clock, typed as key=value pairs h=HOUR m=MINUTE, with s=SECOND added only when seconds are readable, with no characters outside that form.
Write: h=10 m=3 s=34
